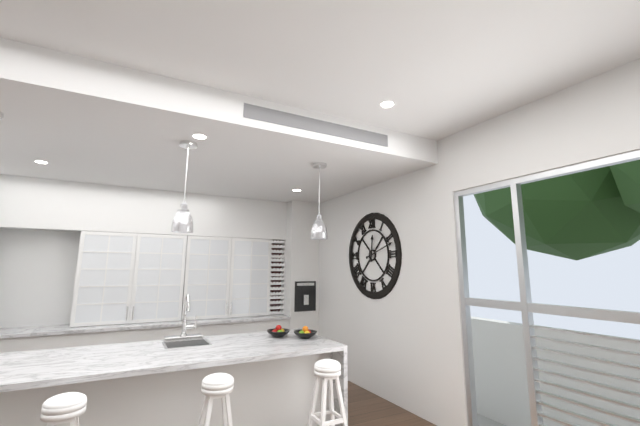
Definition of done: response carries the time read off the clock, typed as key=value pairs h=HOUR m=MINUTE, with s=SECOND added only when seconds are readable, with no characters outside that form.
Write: h=12 m=12
